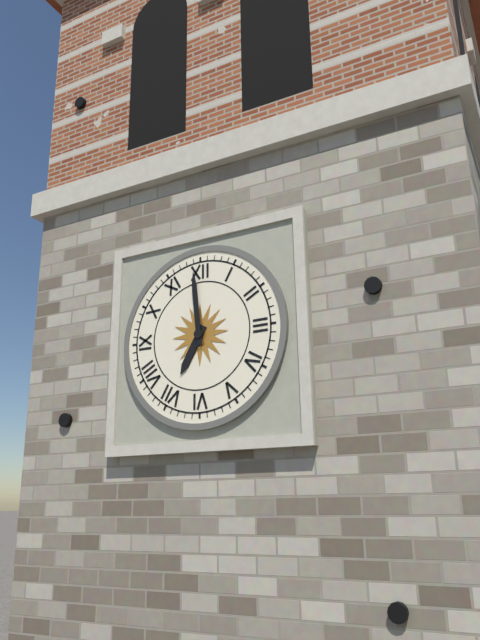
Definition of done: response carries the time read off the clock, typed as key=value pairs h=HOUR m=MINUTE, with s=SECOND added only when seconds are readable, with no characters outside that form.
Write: h=6 m=59
